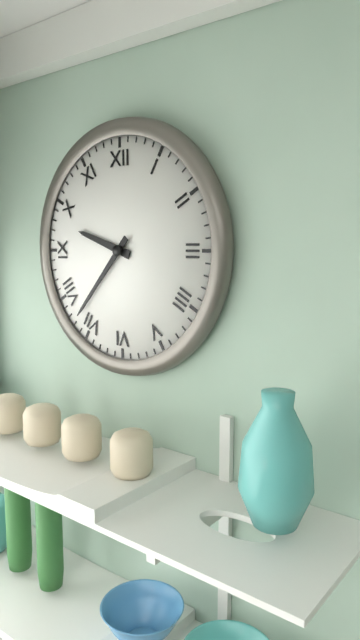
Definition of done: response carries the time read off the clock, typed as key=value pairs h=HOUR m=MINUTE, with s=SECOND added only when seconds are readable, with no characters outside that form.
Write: h=9 m=37
